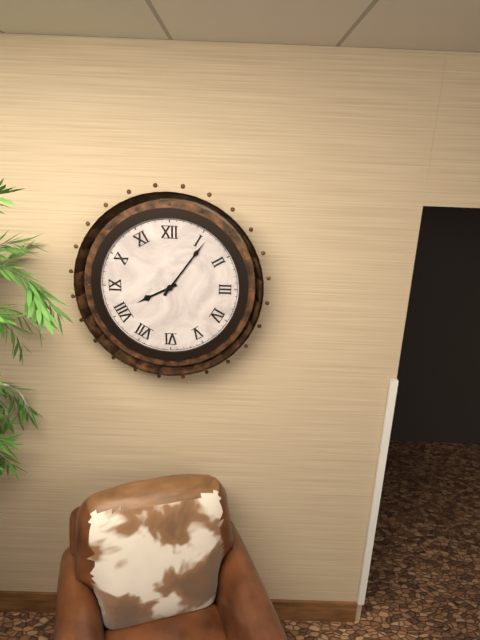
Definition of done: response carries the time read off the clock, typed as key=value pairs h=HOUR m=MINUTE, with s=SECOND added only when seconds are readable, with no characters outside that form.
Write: h=8 m=6
